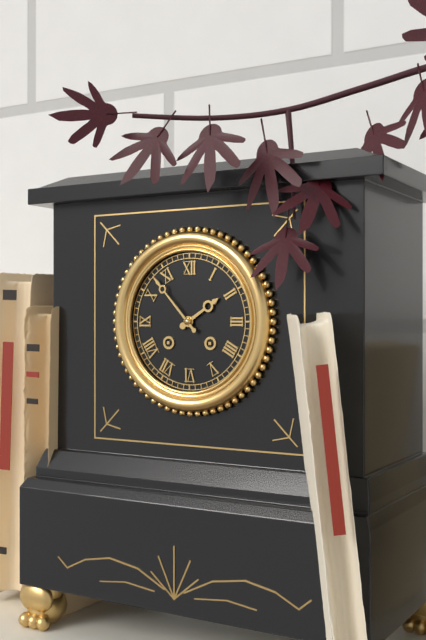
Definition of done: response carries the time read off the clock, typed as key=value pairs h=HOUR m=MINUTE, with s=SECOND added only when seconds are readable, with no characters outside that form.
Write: h=1 m=53
